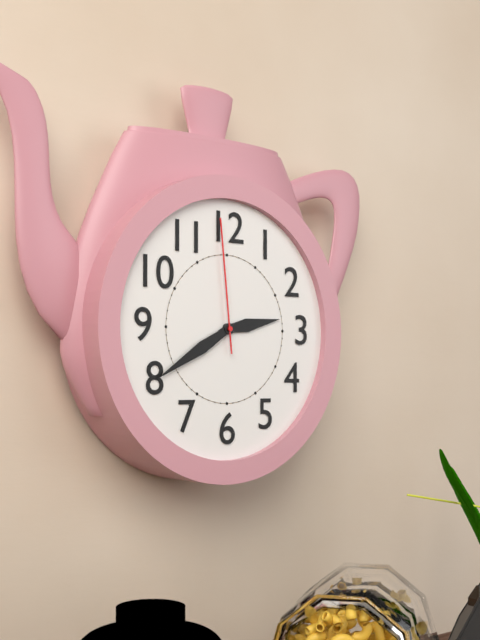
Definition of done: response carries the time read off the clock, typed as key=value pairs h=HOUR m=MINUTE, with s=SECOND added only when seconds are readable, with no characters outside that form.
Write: h=2 m=40 s=59
